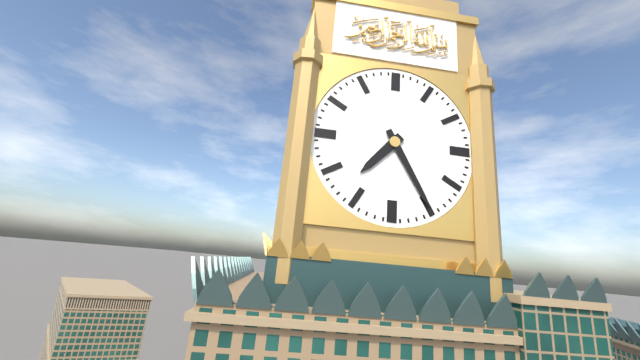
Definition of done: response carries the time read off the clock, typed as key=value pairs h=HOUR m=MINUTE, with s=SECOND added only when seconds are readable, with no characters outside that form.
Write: h=7 m=25
